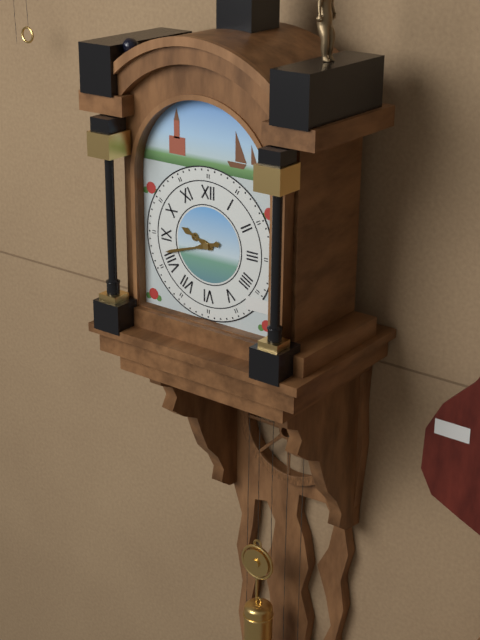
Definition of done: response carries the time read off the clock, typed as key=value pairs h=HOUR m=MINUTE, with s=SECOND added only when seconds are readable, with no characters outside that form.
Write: h=9 m=42
